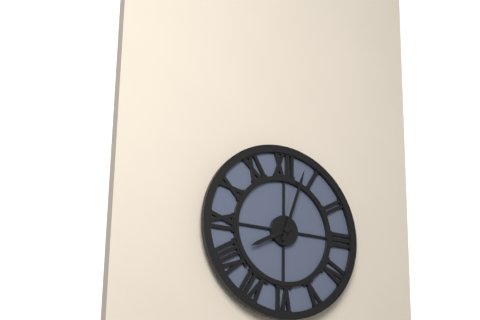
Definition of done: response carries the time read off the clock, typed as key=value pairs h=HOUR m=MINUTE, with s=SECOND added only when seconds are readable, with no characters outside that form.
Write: h=8 m=3
